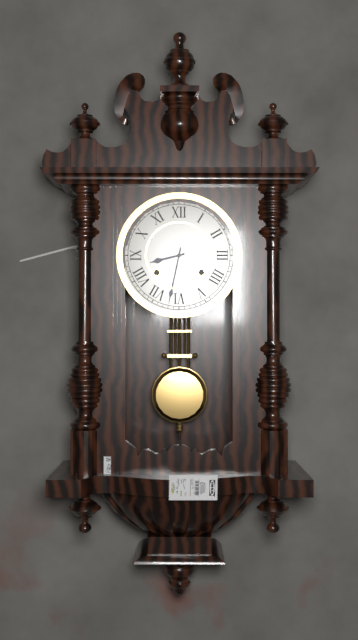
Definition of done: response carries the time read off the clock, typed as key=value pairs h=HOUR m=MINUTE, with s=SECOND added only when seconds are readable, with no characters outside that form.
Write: h=8 m=32
